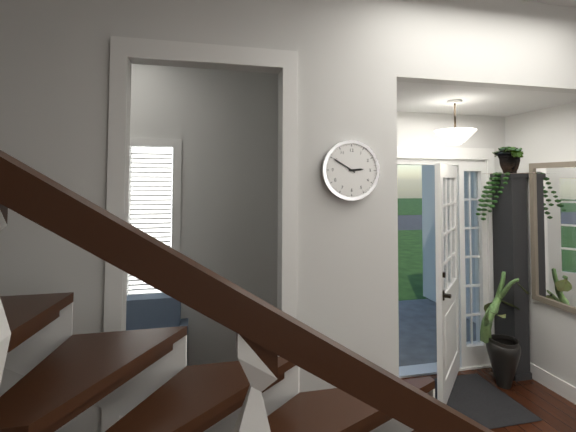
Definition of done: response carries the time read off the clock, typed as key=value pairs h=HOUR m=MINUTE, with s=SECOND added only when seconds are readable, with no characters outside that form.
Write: h=2 m=50
